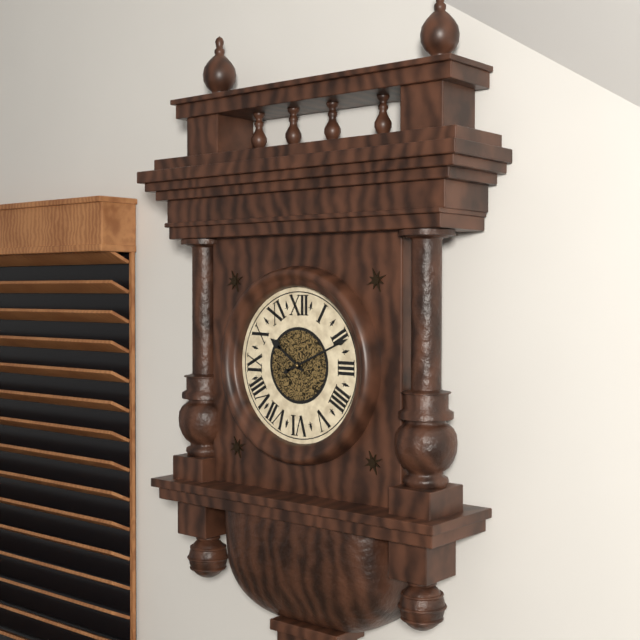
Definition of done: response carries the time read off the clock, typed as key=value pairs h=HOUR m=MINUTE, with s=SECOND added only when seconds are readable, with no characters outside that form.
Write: h=10 m=11
